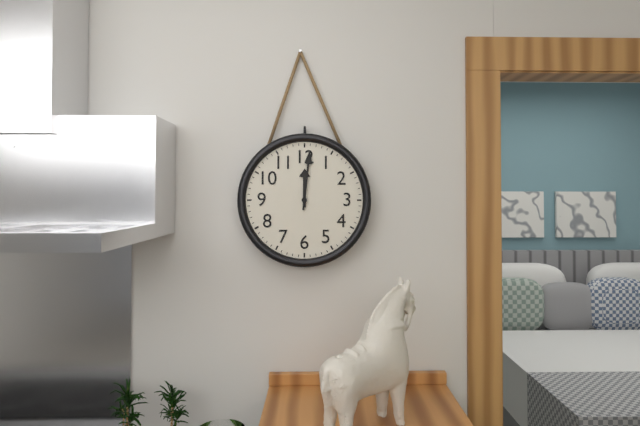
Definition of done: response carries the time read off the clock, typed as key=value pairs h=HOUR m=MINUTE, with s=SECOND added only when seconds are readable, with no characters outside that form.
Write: h=12 m=1
